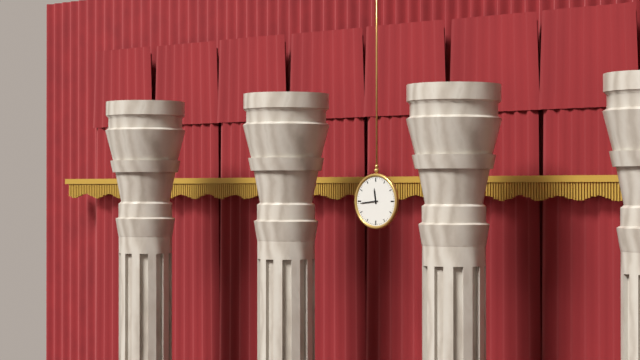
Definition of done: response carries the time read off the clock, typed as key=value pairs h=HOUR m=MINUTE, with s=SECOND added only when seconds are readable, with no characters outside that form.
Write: h=11 m=44
